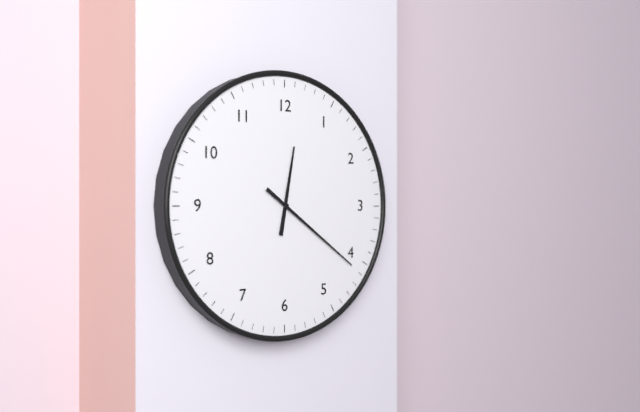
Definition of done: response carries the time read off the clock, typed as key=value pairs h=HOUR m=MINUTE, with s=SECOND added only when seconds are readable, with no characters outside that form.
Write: h=12 m=21
